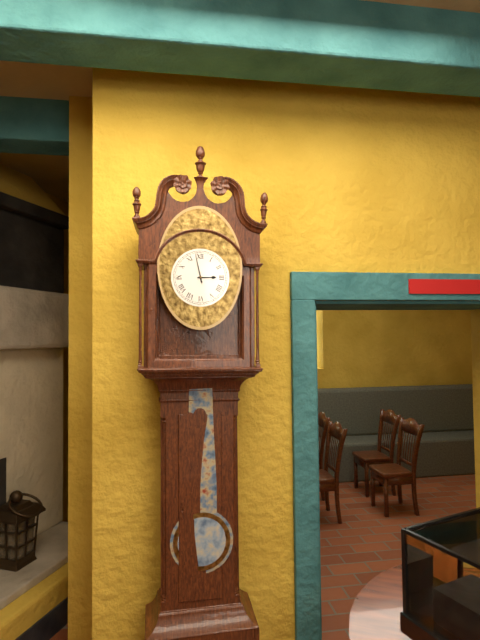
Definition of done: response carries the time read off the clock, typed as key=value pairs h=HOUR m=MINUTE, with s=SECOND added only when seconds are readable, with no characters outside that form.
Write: h=2 m=58
